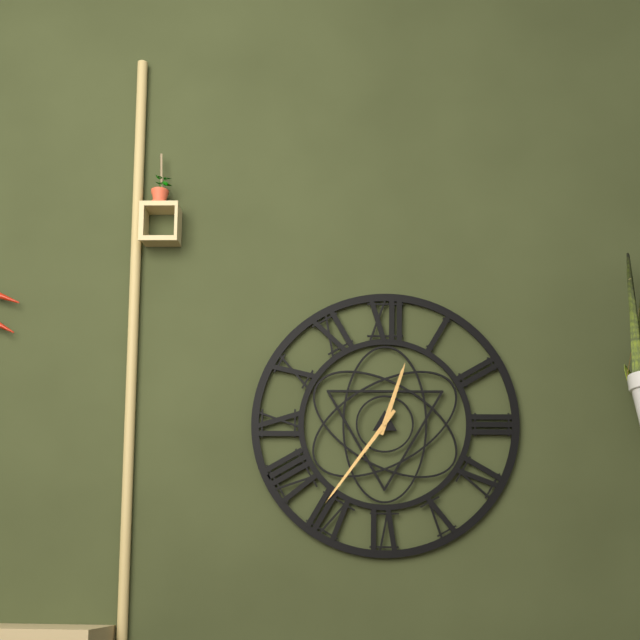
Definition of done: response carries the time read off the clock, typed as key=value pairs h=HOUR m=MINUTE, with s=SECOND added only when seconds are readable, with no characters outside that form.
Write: h=12 m=36
